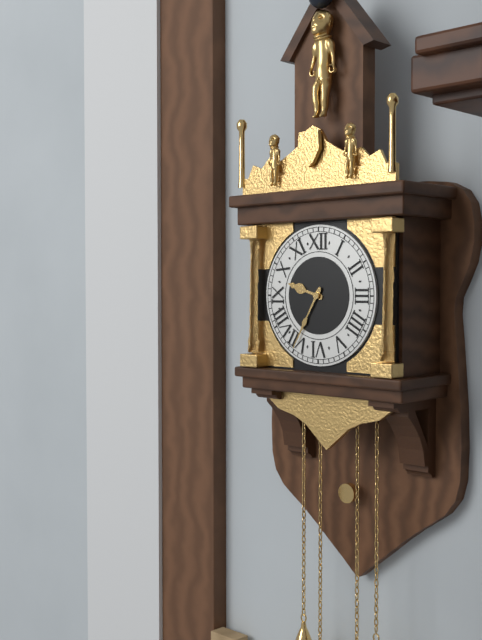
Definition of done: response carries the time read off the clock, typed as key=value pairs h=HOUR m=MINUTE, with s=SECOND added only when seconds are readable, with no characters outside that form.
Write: h=9 m=35
